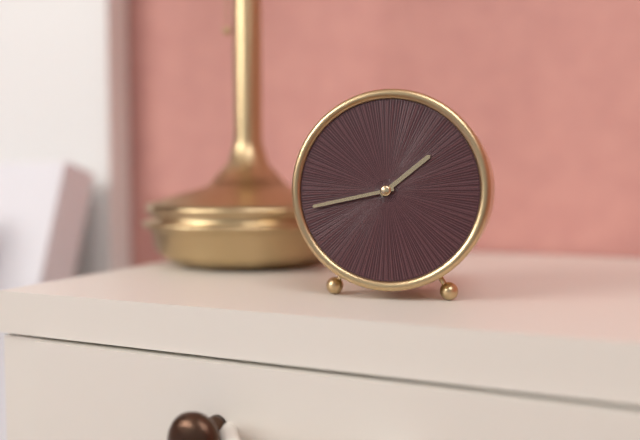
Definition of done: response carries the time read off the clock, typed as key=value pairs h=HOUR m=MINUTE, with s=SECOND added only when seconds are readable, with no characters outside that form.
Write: h=1 m=43
